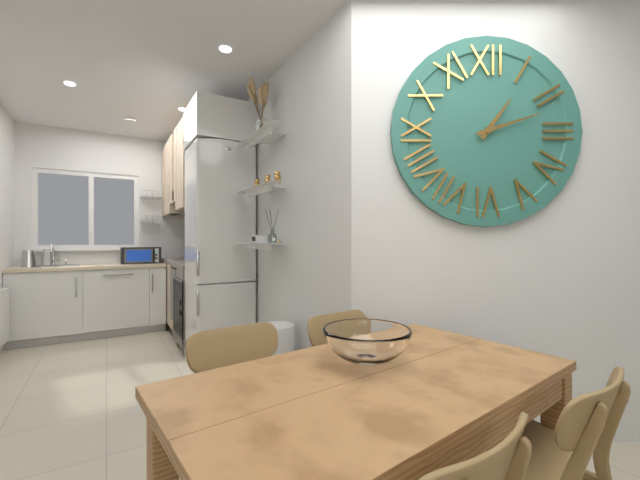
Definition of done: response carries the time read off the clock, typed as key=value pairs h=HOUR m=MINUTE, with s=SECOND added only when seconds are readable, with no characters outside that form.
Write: h=1 m=12
